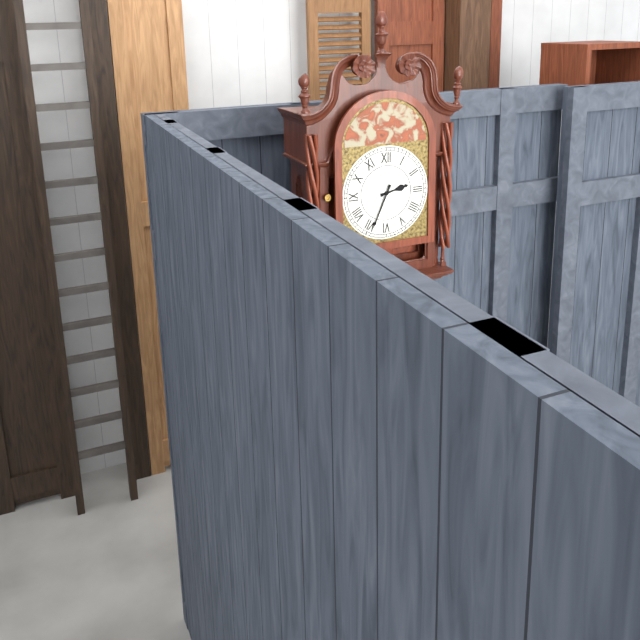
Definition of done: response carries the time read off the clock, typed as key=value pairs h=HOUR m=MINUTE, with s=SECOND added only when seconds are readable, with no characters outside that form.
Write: h=2 m=34
